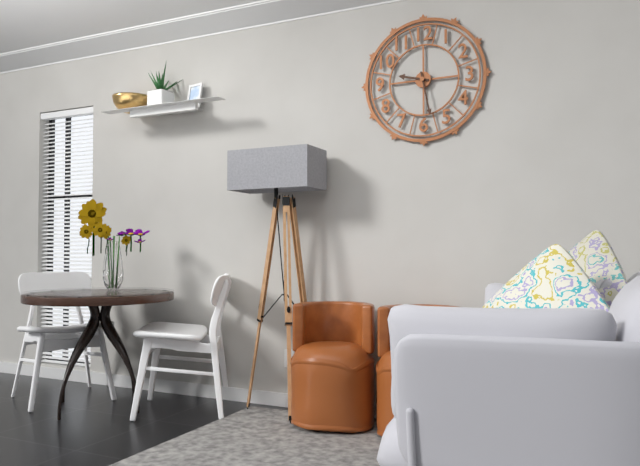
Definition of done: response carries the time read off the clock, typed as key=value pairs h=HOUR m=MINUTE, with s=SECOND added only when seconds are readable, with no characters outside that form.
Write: h=9 m=28
